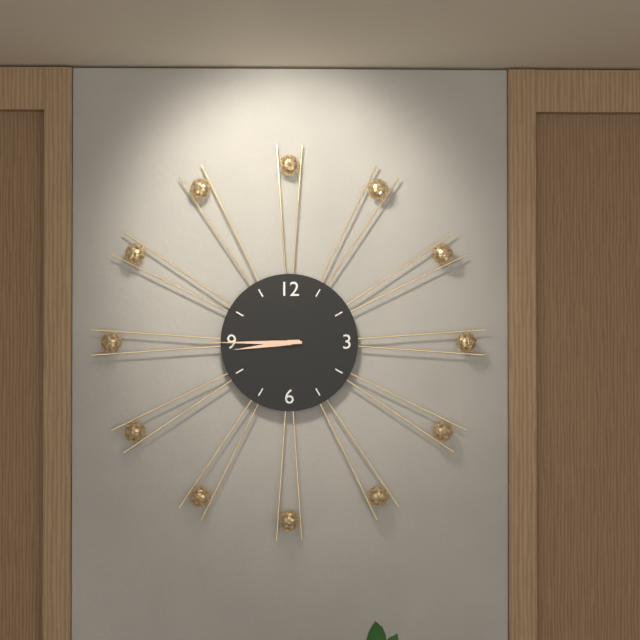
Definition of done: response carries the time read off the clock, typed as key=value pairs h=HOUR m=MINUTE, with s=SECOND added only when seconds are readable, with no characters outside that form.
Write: h=8 m=45
